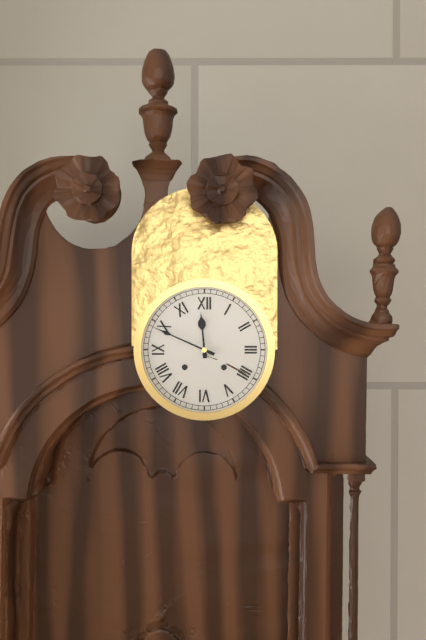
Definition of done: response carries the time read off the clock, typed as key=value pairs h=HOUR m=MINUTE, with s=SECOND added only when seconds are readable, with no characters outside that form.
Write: h=11 m=49
